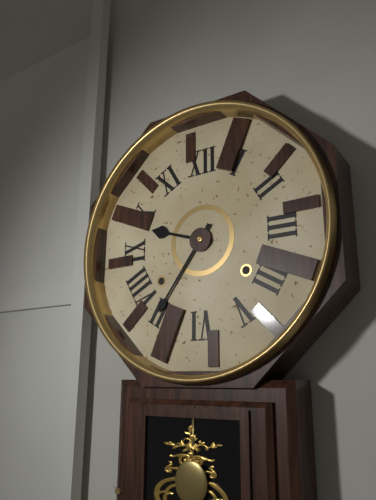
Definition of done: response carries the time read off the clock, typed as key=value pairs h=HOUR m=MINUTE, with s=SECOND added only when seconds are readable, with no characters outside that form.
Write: h=9 m=36
